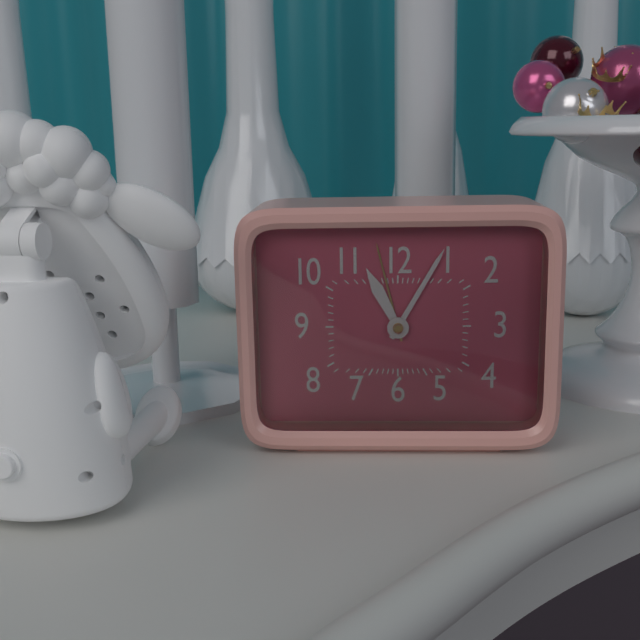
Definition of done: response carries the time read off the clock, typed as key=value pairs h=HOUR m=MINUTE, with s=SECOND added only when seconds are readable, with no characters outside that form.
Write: h=11 m=5
